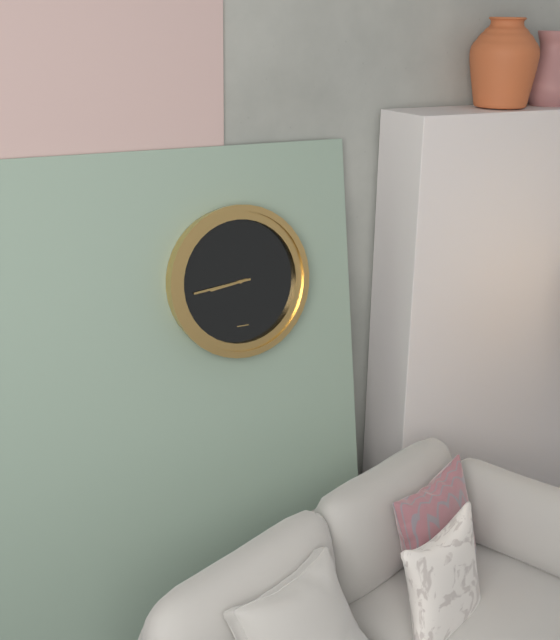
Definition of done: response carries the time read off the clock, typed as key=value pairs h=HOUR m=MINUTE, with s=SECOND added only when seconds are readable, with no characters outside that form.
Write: h=8 m=44
